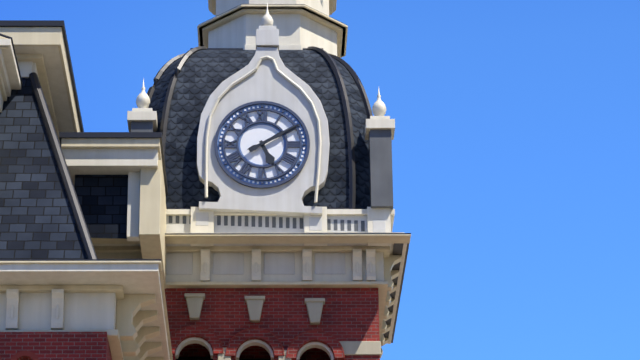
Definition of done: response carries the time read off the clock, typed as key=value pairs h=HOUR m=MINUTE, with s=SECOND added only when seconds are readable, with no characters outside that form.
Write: h=5 m=10
